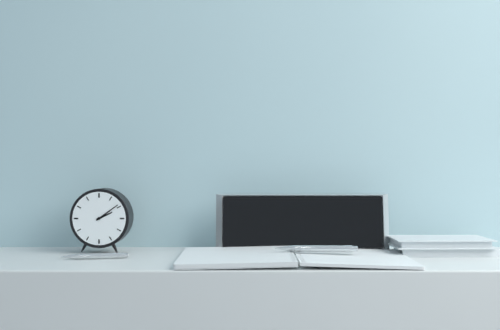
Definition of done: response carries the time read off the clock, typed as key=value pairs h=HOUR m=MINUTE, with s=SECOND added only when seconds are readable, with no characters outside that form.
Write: h=2 m=9
